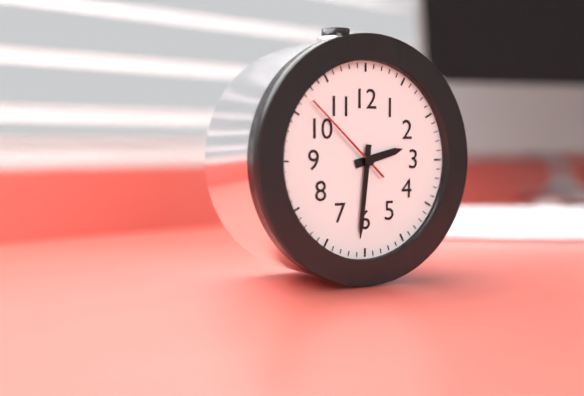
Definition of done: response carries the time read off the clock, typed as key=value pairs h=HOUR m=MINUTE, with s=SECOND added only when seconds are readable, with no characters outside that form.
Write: h=2 m=31 s=52
